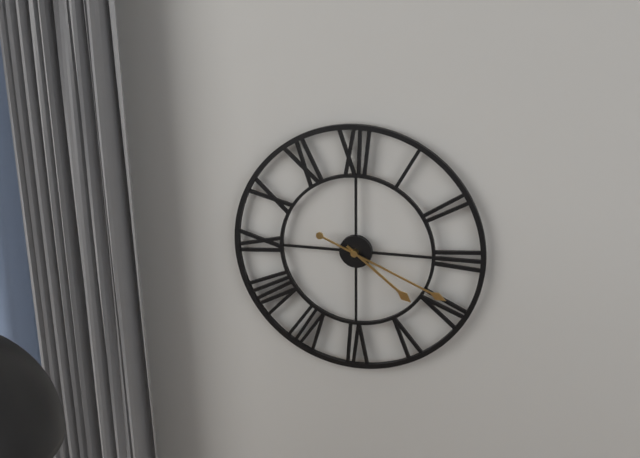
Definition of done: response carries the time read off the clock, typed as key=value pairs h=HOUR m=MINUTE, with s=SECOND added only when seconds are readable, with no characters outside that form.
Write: h=4 m=19
